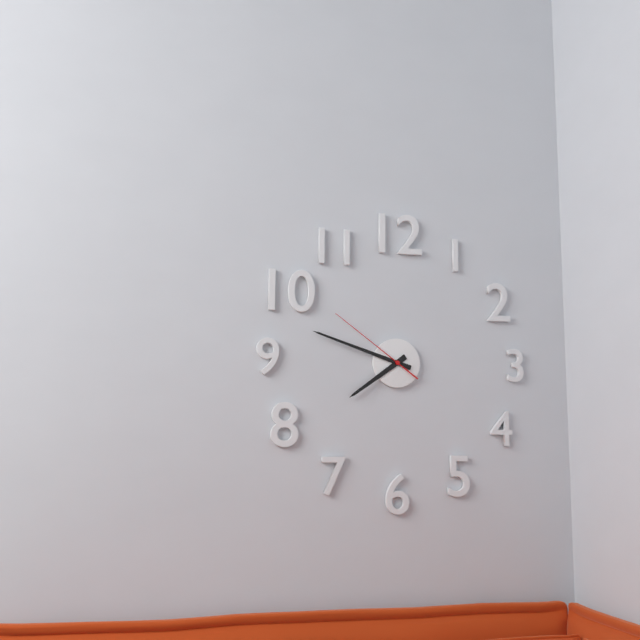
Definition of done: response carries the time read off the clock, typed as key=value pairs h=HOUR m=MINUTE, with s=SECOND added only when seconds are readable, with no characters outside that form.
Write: h=7 m=48 s=51
